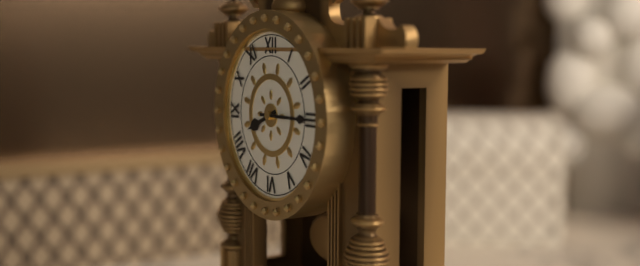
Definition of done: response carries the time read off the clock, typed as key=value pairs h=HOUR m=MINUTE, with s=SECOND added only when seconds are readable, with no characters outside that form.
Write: h=8 m=15
